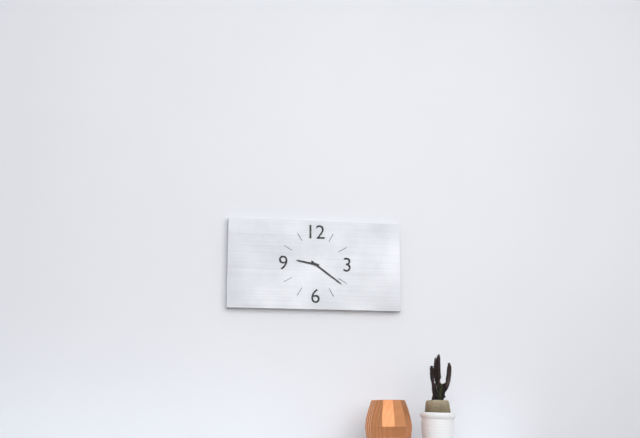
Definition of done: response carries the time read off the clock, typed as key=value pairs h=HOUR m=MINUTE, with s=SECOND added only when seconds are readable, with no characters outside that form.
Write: h=9 m=21
